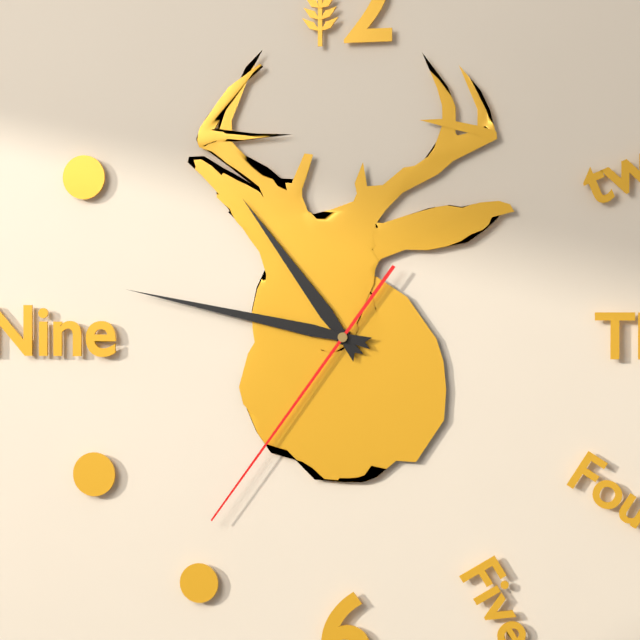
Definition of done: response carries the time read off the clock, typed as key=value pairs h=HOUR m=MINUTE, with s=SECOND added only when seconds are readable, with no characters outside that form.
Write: h=10 m=47 s=36
